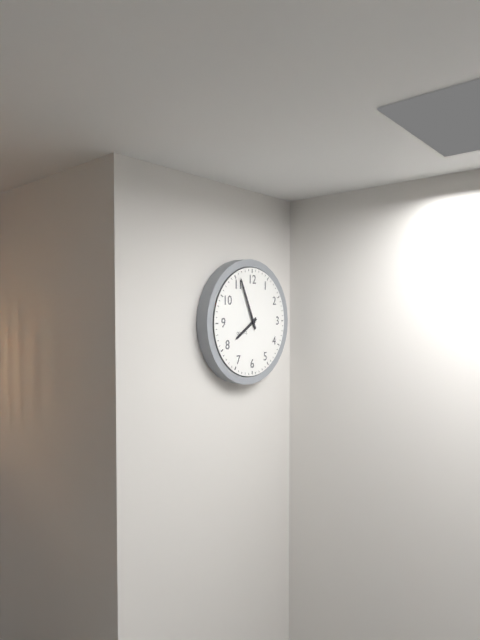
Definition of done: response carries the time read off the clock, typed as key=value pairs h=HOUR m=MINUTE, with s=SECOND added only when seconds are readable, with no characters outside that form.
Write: h=7 m=56
